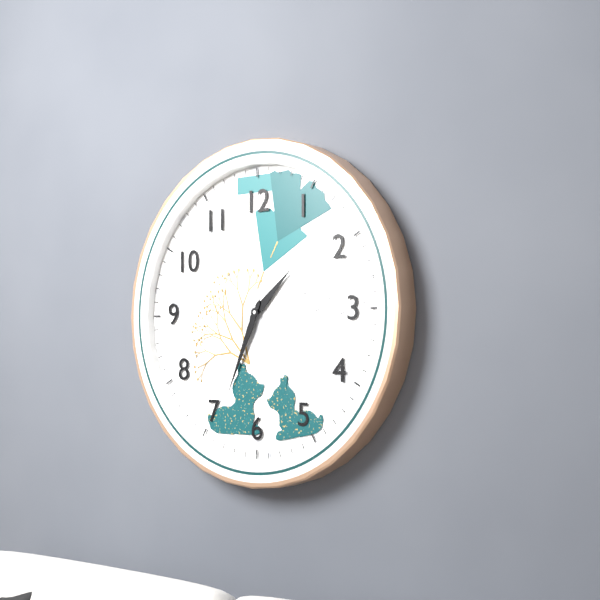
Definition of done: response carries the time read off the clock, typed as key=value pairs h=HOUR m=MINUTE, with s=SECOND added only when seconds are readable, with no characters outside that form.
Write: h=1 m=34
